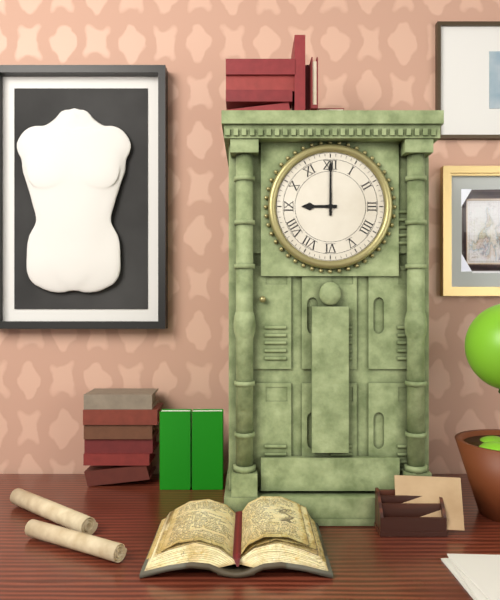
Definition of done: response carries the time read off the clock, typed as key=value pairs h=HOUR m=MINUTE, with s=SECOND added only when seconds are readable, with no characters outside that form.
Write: h=9 m=0
